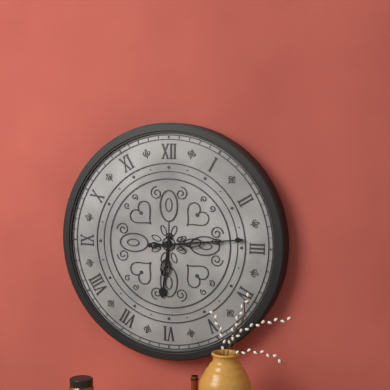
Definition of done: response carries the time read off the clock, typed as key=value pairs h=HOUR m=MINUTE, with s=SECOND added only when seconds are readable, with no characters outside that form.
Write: h=6 m=14
